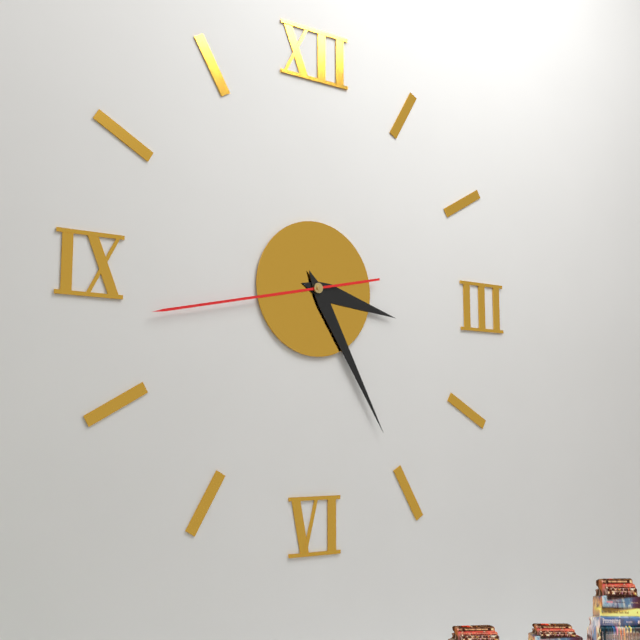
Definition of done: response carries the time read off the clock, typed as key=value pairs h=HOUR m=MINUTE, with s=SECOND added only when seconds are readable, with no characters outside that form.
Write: h=3 m=25 s=43
